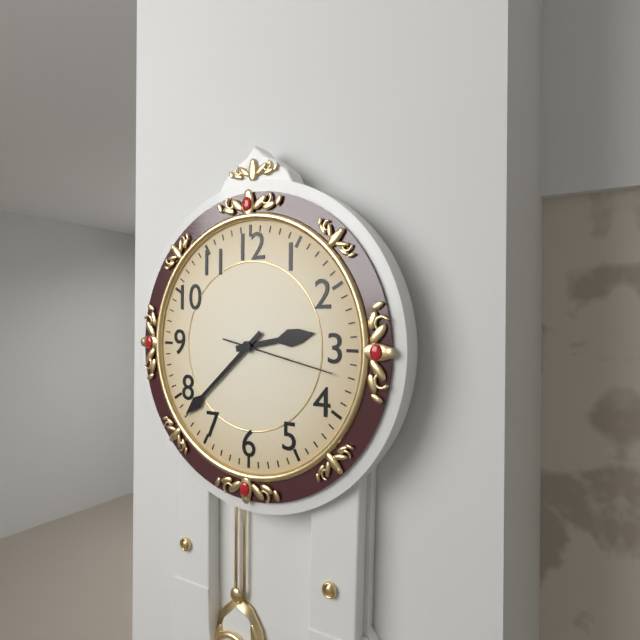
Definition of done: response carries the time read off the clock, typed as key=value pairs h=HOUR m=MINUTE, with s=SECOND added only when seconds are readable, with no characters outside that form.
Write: h=2 m=38 s=17
